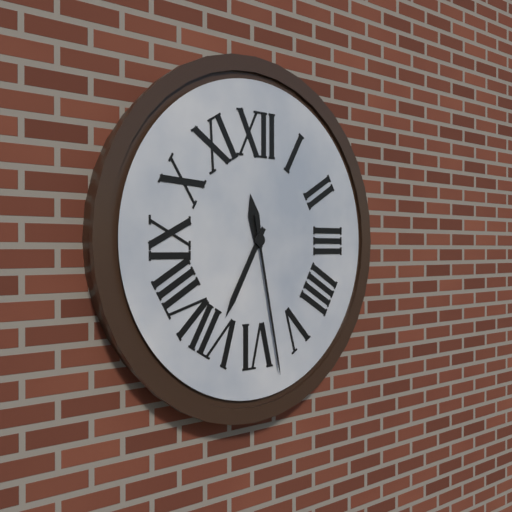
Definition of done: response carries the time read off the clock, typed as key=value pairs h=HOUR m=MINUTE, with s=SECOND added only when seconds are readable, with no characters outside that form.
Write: h=11 m=35 s=28
